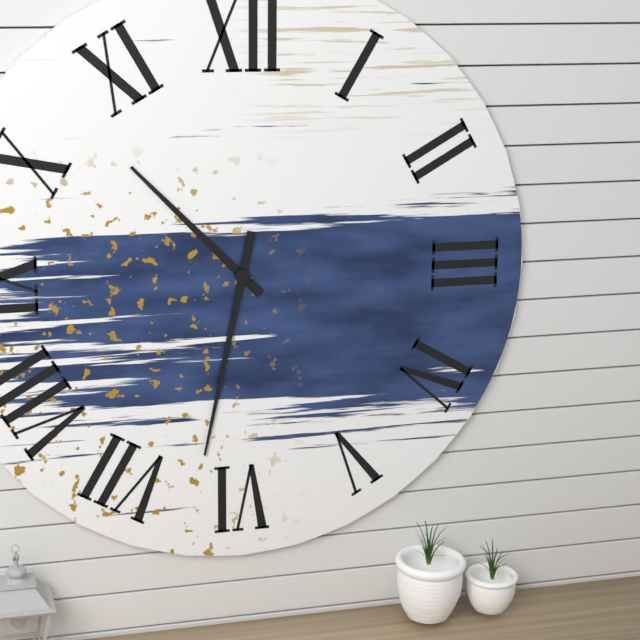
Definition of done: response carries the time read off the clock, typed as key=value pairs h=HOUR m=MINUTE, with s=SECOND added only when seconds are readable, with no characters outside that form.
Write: h=10 m=32
